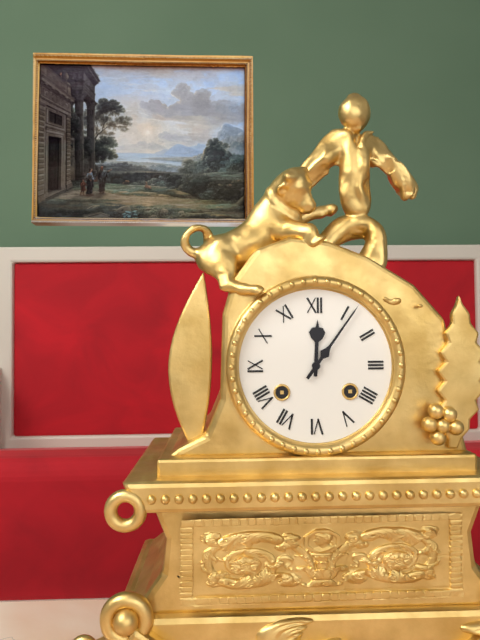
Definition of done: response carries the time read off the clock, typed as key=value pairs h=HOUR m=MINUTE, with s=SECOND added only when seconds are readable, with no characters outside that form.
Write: h=12 m=6
